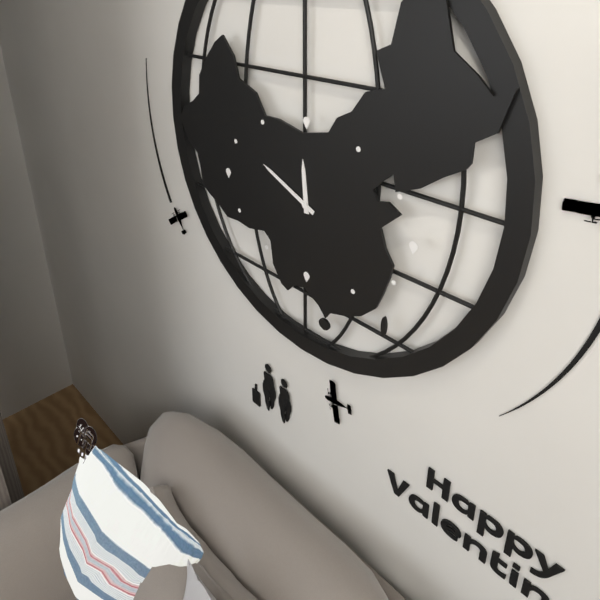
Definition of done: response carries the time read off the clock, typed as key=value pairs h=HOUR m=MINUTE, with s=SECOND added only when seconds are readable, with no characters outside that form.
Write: h=11 m=49
